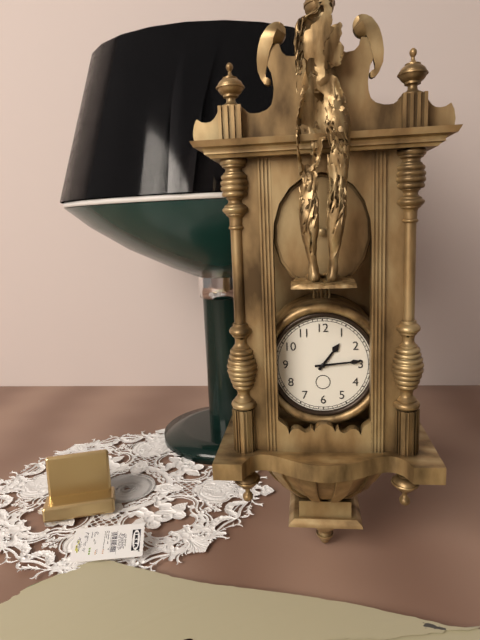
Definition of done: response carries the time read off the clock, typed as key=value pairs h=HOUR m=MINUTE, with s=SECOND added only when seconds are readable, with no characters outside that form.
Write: h=1 m=14
